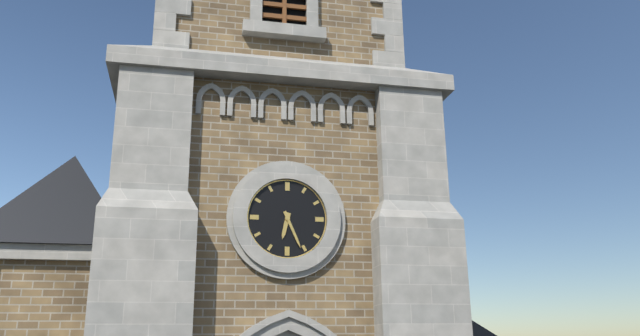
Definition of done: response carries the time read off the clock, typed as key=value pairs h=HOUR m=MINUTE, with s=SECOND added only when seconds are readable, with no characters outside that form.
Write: h=6 m=26
